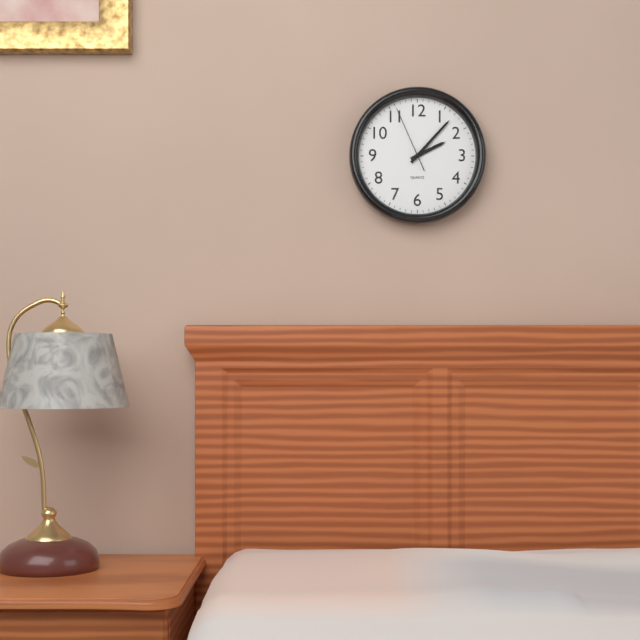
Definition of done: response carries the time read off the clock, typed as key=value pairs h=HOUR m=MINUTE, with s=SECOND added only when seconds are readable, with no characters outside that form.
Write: h=2 m=7 s=56
